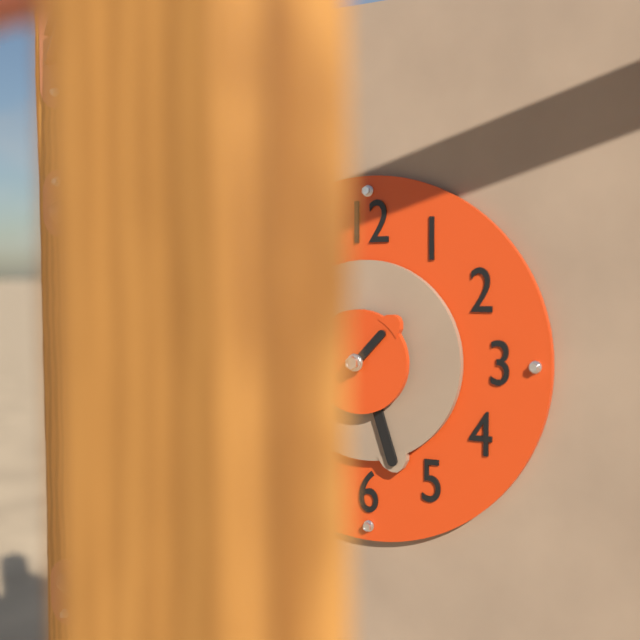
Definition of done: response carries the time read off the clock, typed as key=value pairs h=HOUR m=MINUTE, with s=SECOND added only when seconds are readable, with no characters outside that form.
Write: h=1 m=27
